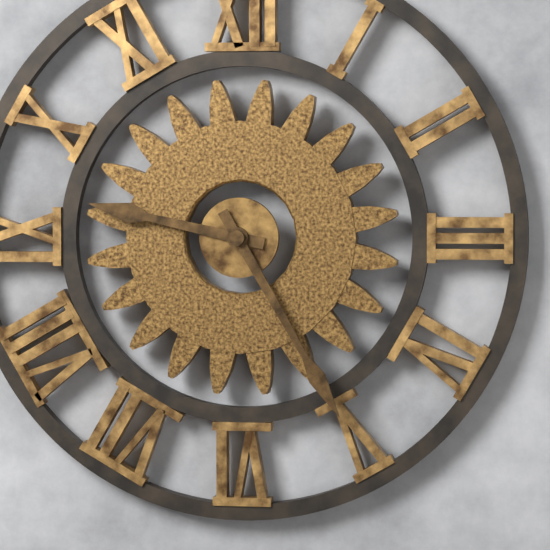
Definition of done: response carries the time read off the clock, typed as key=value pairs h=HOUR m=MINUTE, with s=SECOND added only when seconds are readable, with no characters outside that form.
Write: h=9 m=25
